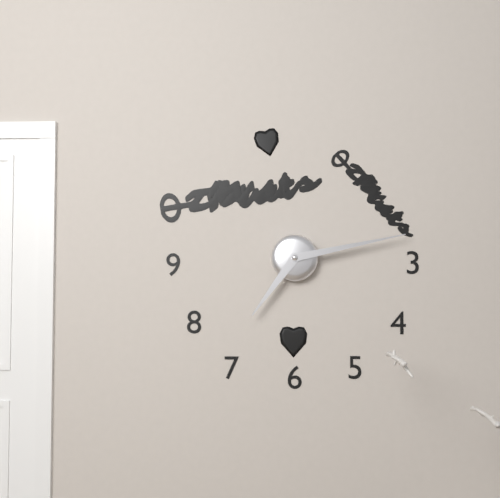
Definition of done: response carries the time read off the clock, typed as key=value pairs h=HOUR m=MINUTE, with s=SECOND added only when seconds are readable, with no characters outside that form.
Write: h=7 m=13
